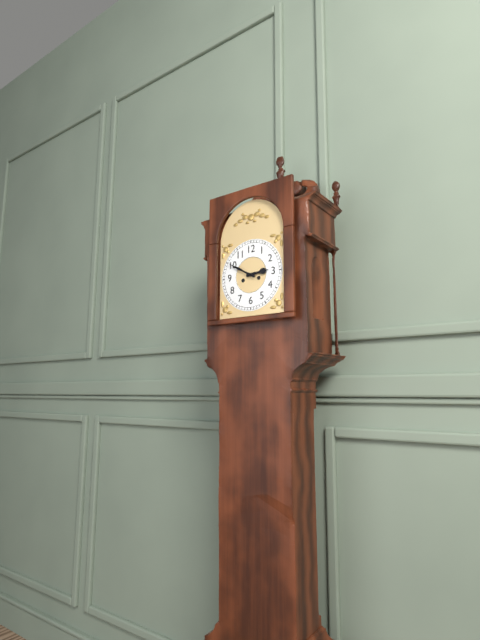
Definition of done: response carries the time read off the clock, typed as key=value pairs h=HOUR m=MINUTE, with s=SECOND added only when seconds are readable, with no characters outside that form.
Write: h=2 m=50
